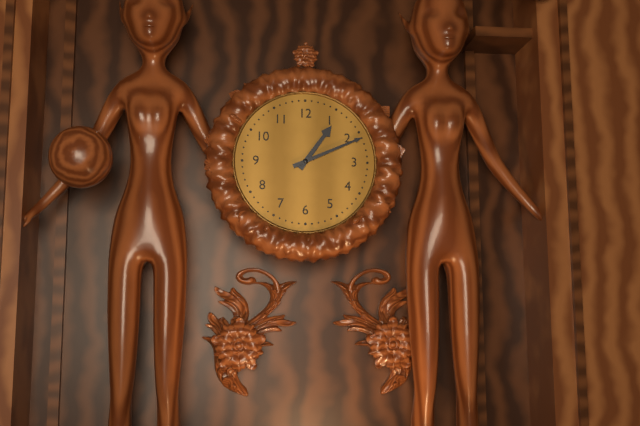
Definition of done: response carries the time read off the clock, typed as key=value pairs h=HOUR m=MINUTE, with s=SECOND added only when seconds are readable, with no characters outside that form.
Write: h=1 m=11
